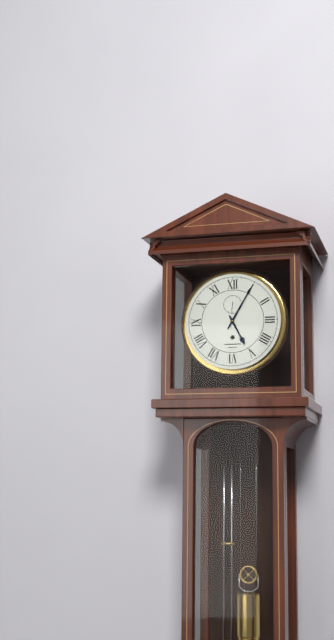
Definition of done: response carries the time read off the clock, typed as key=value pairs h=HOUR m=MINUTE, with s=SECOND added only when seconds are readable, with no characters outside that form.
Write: h=5 m=5
